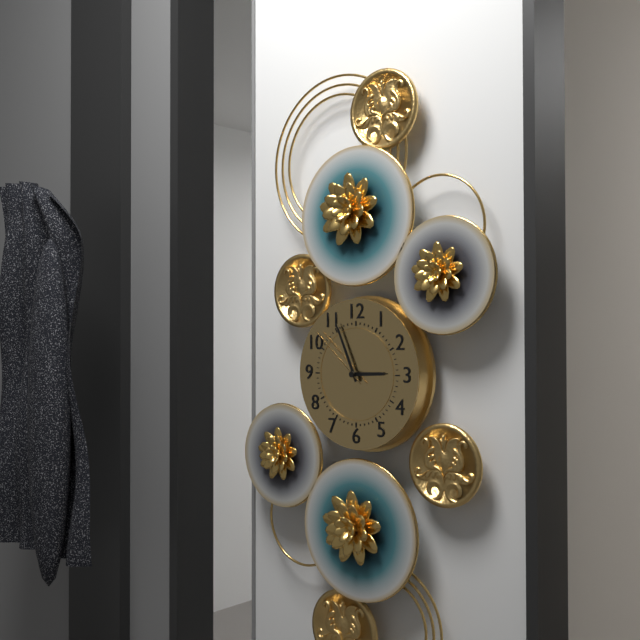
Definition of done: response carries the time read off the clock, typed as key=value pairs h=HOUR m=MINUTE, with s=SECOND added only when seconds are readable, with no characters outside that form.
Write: h=2 m=56 s=52
